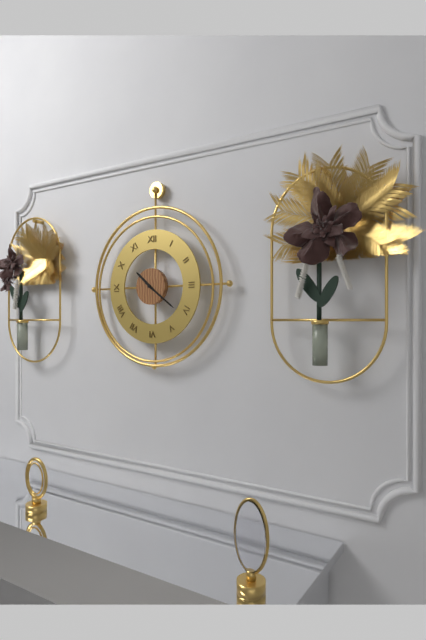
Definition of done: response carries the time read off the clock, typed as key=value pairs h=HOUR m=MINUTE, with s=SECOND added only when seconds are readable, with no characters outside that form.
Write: h=10 m=21
